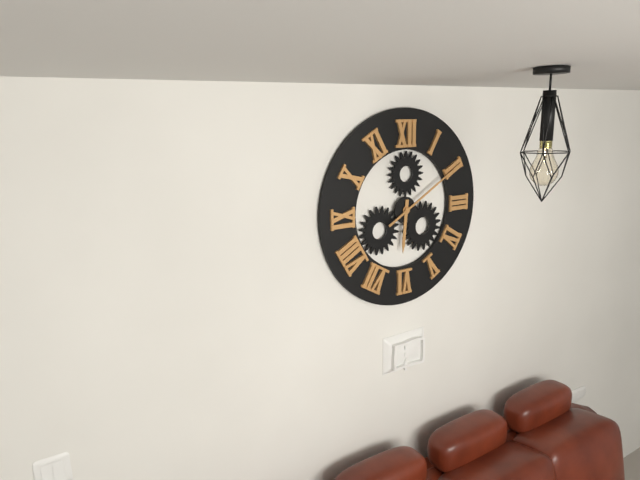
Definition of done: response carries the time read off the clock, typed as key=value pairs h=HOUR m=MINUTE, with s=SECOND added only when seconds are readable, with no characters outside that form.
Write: h=6 m=10
